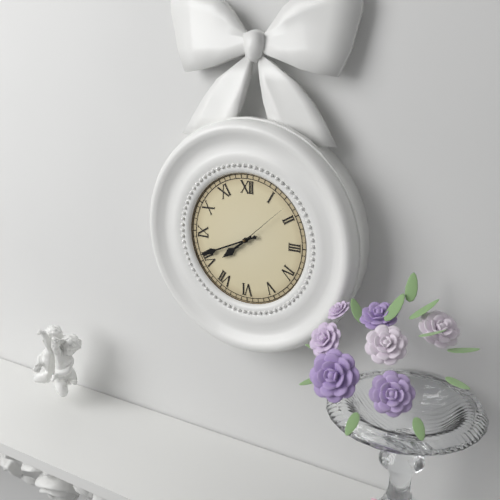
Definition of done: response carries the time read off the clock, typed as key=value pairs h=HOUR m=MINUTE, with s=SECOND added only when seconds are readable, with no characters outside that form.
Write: h=7 m=41 s=8
